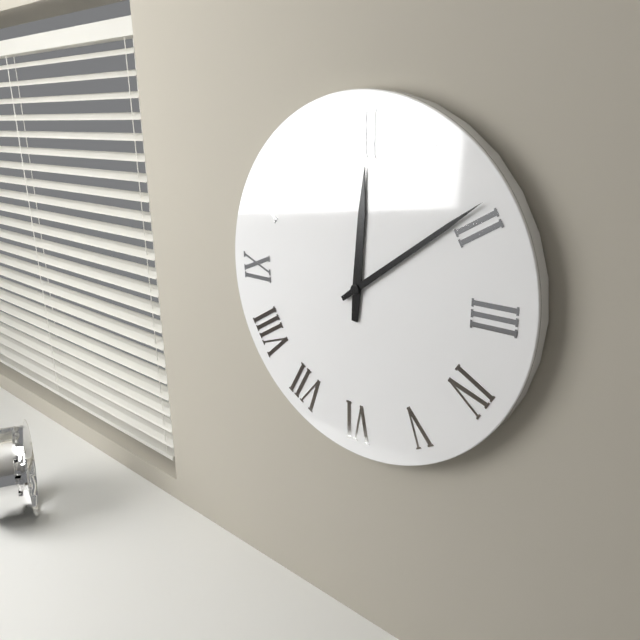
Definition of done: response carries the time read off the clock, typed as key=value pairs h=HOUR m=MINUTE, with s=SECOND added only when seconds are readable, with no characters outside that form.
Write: h=12 m=9
